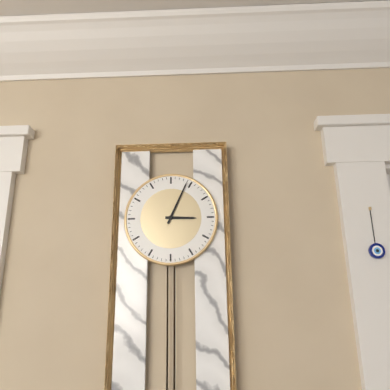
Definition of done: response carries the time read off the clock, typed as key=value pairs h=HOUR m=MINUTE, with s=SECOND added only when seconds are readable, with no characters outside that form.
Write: h=3 m=4
